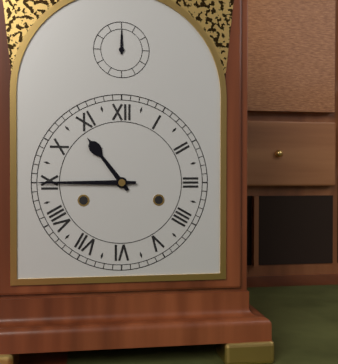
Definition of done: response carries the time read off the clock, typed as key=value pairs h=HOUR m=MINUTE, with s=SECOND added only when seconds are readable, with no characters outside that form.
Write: h=10 m=45
